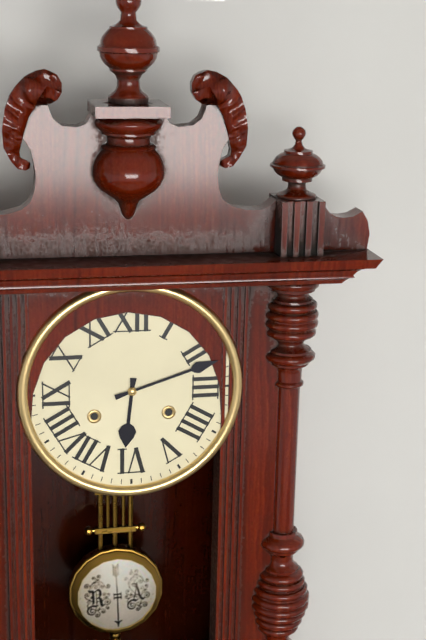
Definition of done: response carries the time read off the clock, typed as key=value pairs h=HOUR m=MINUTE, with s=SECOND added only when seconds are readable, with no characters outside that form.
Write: h=6 m=12
